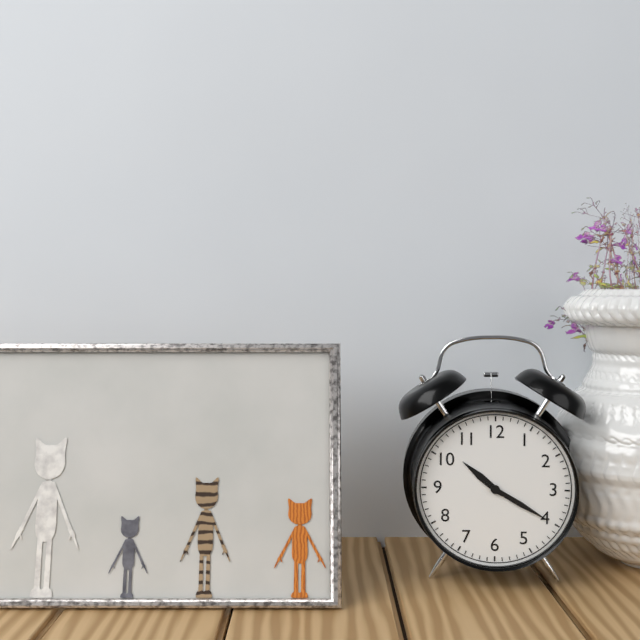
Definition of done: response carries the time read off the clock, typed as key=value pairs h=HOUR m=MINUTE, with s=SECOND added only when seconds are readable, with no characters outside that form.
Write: h=10 m=20
